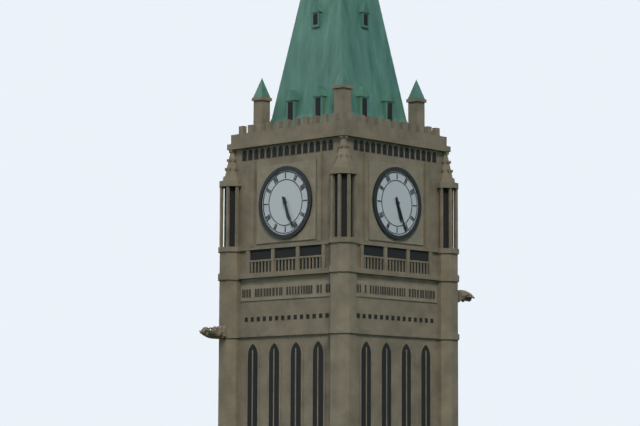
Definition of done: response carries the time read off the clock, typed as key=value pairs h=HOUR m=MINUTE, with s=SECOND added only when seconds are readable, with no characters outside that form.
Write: h=5 m=26
